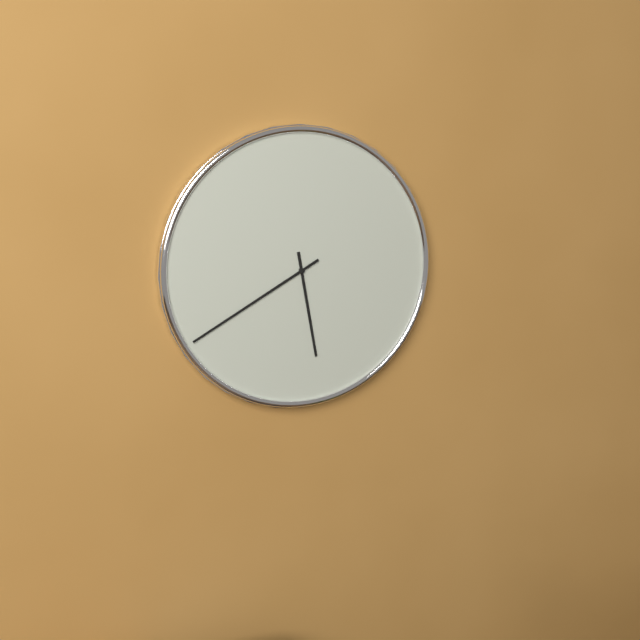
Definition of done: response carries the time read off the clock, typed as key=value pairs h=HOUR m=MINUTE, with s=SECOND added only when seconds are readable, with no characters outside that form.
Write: h=5 m=40
